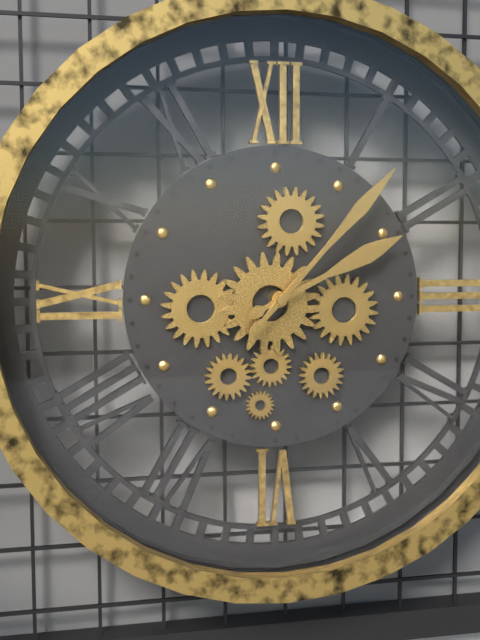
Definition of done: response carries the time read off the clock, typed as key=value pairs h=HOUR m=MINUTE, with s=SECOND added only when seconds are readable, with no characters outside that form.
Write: h=2 m=7
